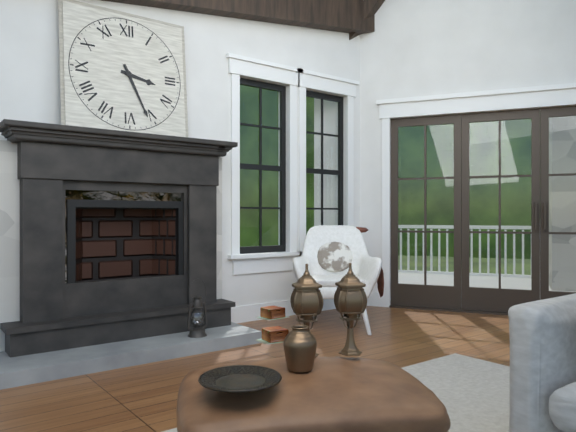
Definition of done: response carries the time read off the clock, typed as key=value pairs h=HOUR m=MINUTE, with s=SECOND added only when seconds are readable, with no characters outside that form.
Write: h=3 m=26
